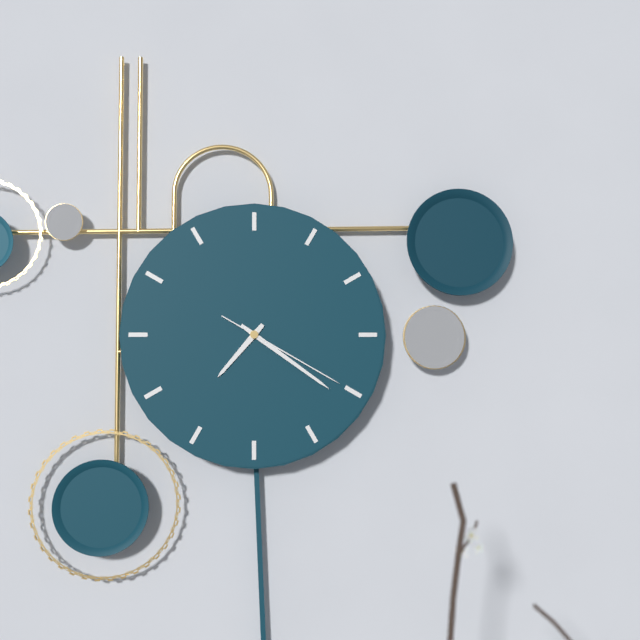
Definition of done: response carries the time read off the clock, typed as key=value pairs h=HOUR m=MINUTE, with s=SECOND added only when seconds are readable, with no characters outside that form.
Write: h=7 m=21 s=20
